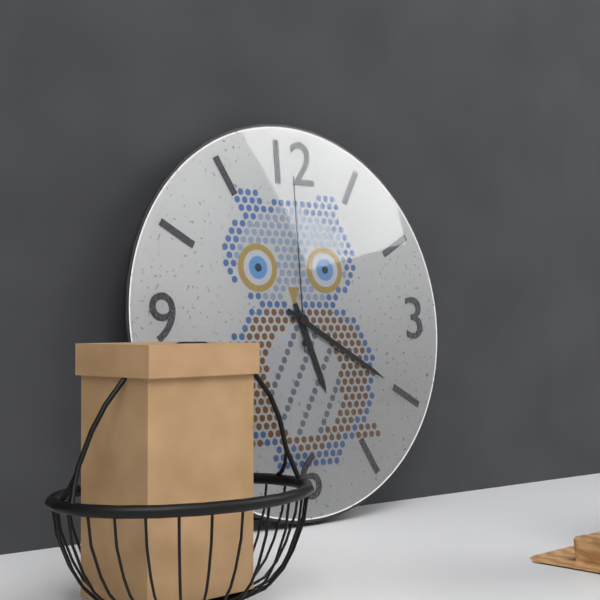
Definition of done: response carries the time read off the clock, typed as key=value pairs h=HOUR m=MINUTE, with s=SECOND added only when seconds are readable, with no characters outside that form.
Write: h=5 m=20 s=0
